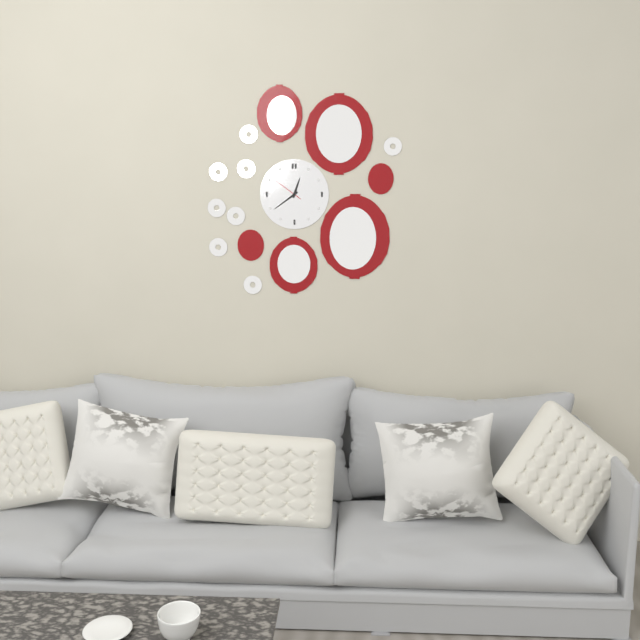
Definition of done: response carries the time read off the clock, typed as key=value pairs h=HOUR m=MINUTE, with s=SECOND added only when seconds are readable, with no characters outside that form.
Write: h=12 m=39
